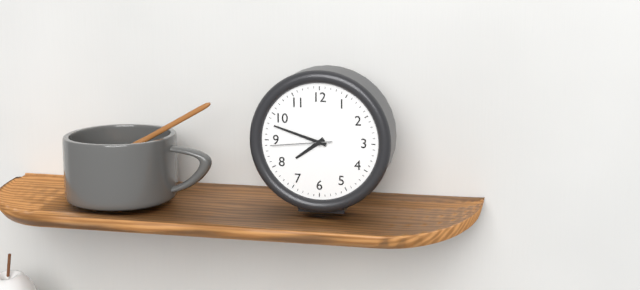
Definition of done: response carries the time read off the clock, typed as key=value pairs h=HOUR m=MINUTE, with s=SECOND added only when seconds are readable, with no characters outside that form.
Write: h=7 m=48 s=44
